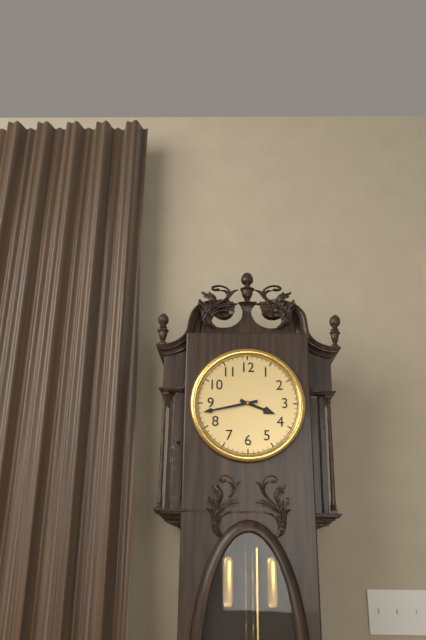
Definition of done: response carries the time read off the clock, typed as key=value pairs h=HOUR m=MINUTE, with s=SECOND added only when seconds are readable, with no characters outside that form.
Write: h=3 m=43
